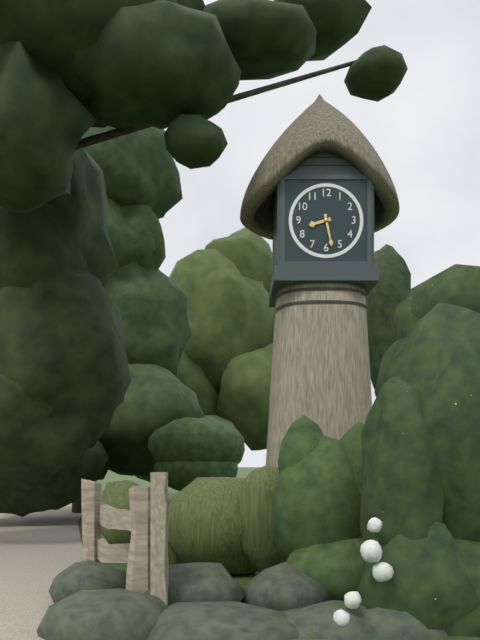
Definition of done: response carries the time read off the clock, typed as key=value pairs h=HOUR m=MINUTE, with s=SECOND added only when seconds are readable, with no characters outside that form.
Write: h=8 m=28
